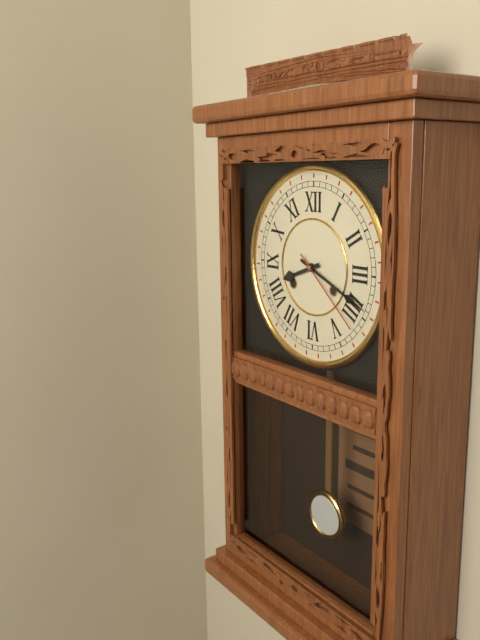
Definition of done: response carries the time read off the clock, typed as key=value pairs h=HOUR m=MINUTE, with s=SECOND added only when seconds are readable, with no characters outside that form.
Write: h=8 m=19 s=22
